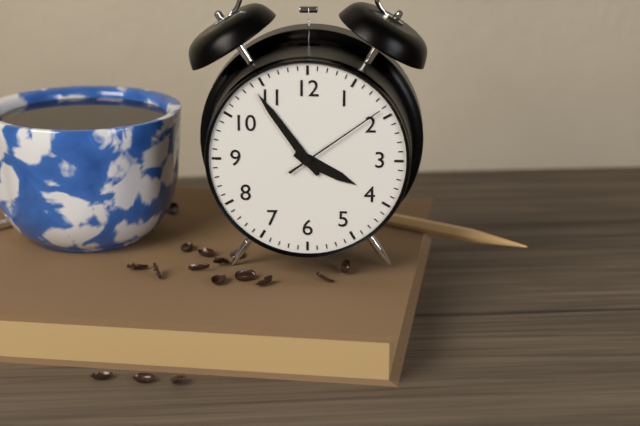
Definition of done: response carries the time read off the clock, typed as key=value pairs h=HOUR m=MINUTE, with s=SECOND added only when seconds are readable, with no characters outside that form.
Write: h=3 m=54 s=9
